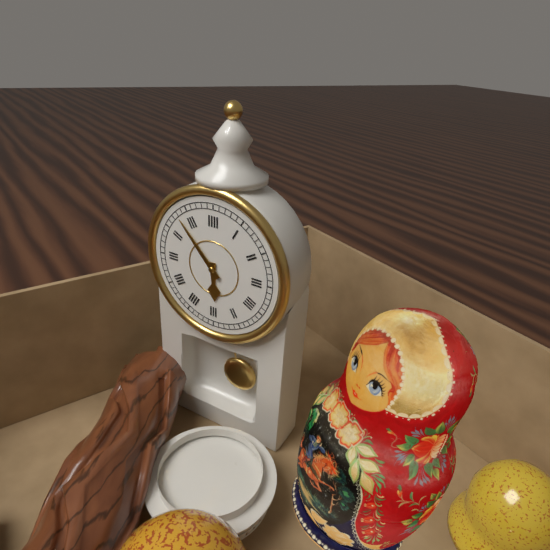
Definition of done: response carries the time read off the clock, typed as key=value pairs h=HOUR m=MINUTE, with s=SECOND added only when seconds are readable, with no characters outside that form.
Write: h=5 m=53
